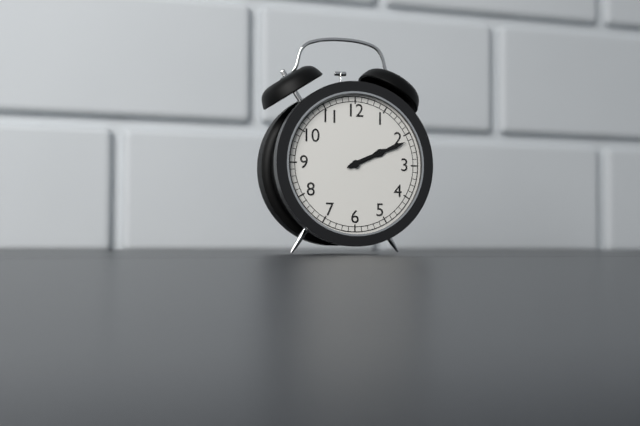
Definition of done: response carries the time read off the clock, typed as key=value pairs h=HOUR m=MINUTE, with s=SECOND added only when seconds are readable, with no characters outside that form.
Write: h=2 m=11
